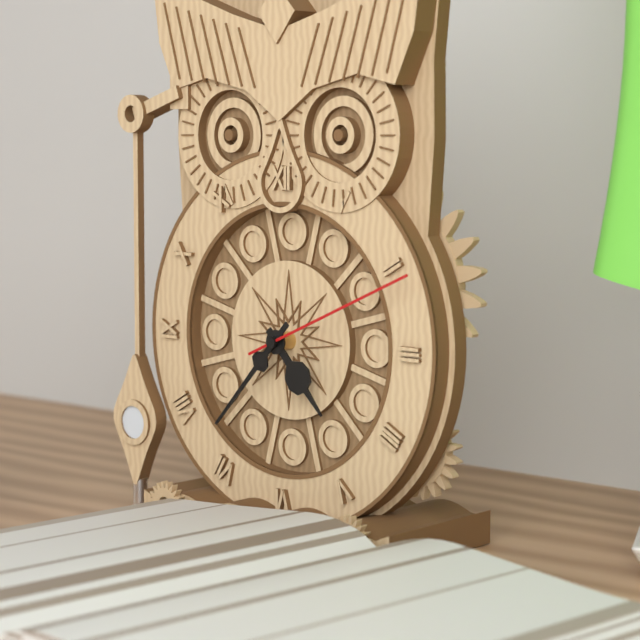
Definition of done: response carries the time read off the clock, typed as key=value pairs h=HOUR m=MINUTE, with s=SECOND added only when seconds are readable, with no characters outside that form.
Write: h=4 m=37 s=11
